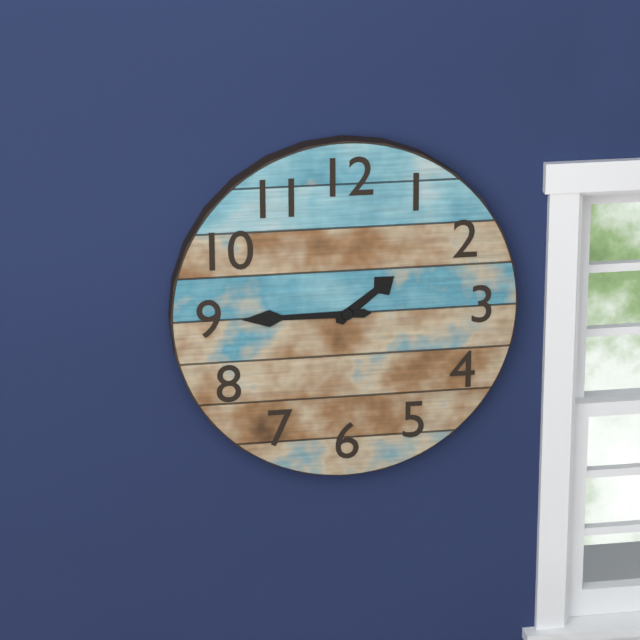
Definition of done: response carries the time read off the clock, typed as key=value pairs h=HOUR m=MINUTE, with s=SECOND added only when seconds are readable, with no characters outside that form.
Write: h=1 m=45
